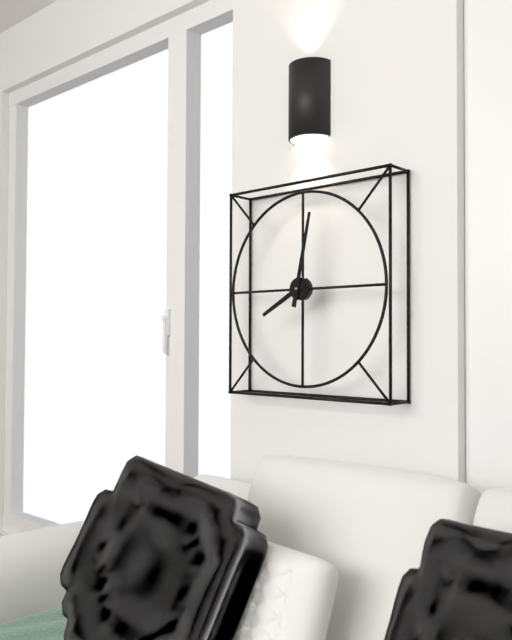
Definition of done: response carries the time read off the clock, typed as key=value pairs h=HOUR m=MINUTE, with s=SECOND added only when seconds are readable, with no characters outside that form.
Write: h=8 m=2
